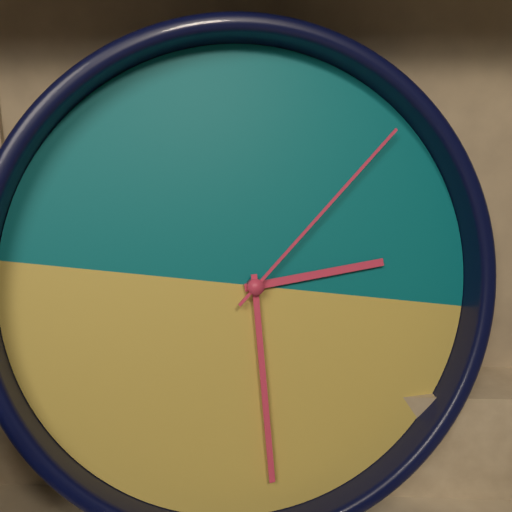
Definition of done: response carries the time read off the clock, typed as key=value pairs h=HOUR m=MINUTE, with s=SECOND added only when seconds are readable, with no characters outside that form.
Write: h=2 m=28 s=6
